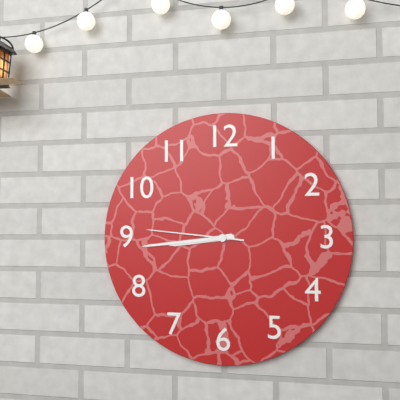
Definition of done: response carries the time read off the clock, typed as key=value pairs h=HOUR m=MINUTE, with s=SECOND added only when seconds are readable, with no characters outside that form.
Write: h=8 m=44 s=46
